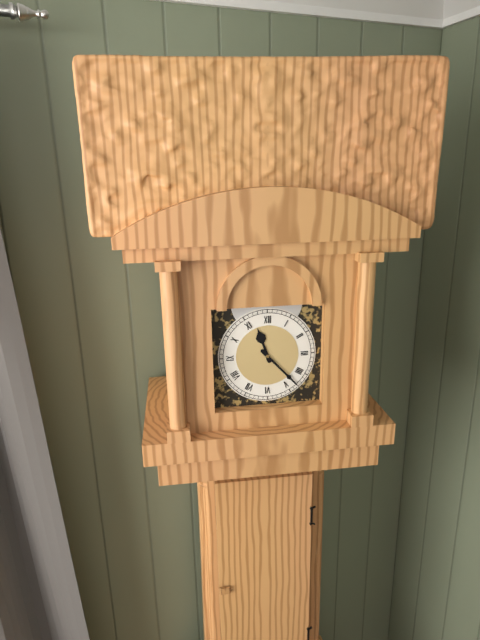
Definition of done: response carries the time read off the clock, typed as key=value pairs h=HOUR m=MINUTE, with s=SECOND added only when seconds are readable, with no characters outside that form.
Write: h=11 m=23
